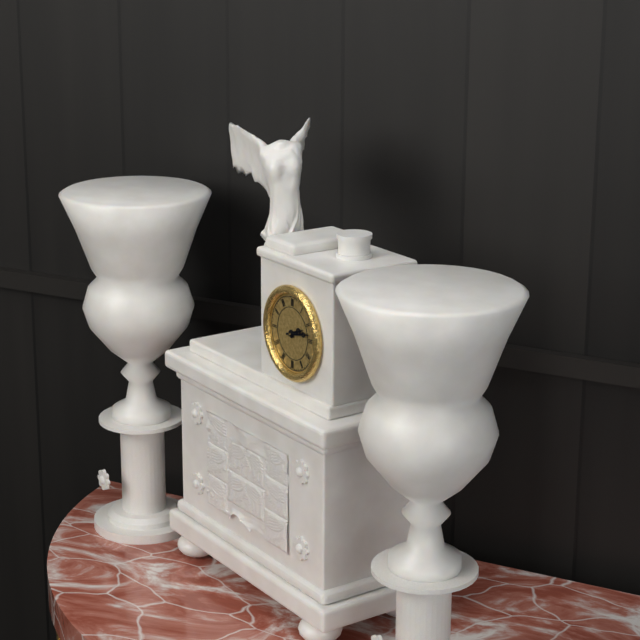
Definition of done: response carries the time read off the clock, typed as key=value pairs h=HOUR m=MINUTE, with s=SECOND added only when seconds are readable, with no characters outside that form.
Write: h=2 m=13
